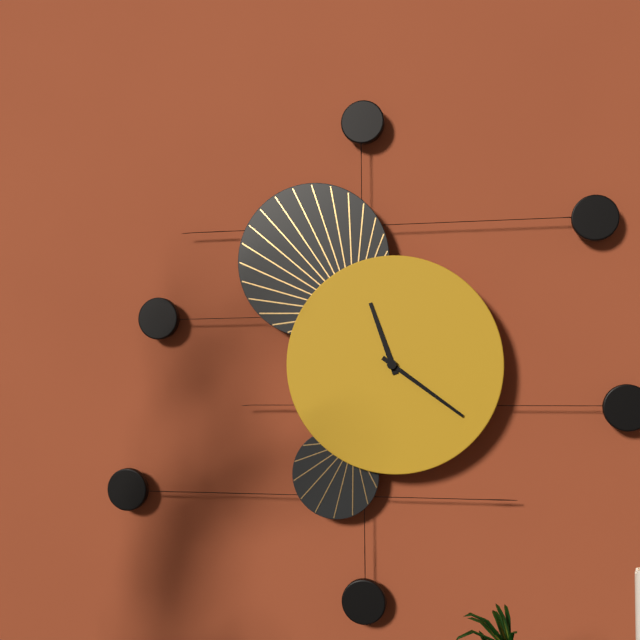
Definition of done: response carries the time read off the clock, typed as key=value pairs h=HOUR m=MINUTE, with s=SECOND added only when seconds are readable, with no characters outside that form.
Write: h=11 m=21
